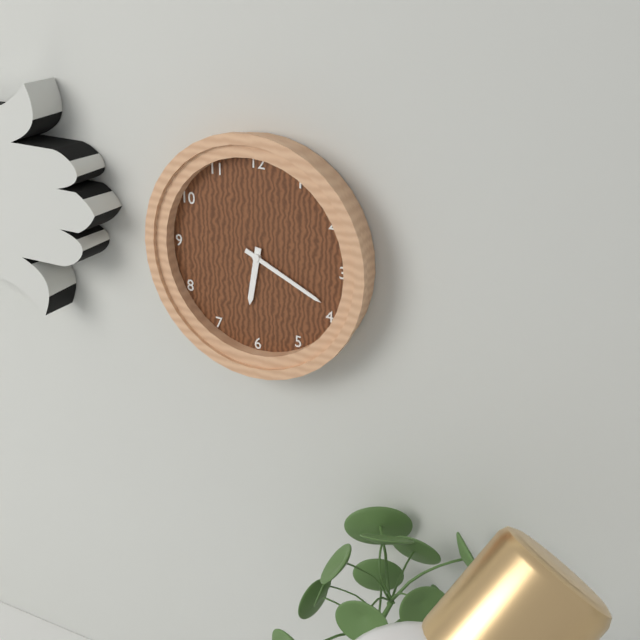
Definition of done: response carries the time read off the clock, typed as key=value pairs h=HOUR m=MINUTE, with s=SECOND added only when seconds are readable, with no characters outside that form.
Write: h=6 m=19
